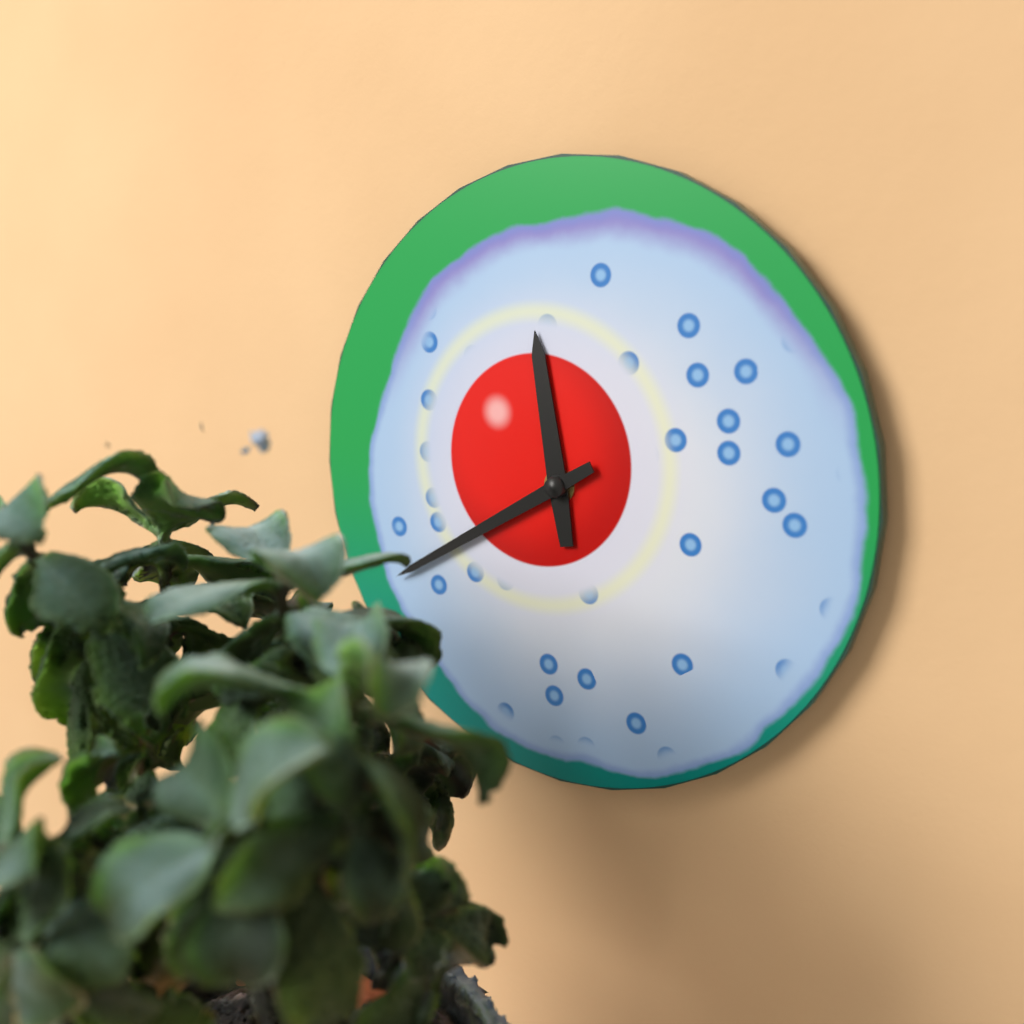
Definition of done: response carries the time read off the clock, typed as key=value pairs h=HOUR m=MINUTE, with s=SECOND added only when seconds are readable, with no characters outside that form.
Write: h=11 m=40
